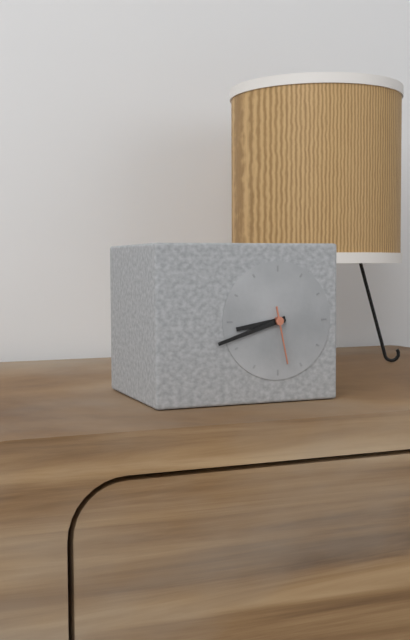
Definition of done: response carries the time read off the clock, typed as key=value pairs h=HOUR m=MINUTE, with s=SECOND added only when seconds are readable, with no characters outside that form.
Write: h=8 m=42 s=28
